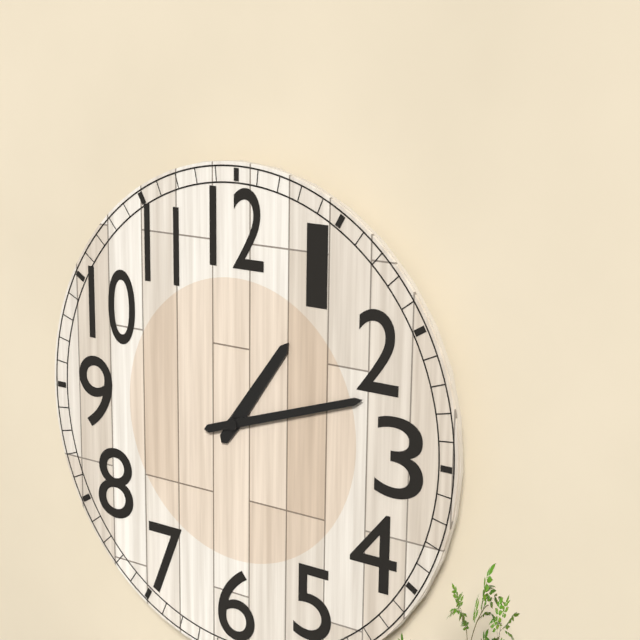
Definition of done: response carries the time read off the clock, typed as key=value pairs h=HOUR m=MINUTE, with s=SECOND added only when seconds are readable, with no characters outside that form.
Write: h=1 m=12
